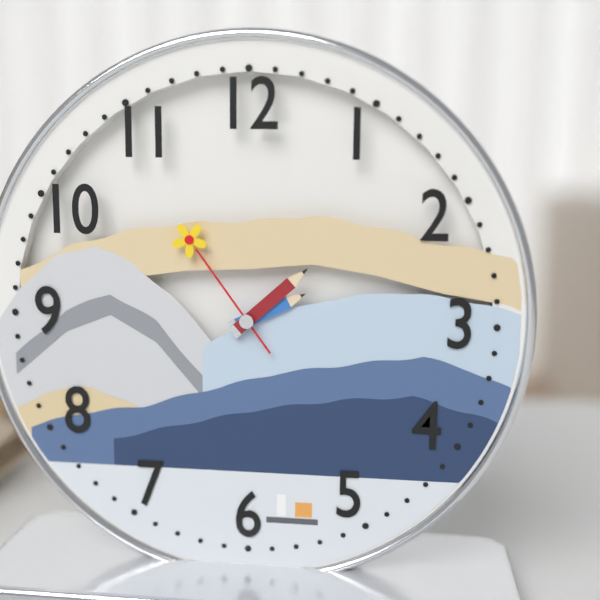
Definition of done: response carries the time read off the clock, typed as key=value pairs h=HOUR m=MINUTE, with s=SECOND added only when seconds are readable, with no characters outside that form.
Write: h=2 m=8 s=54
